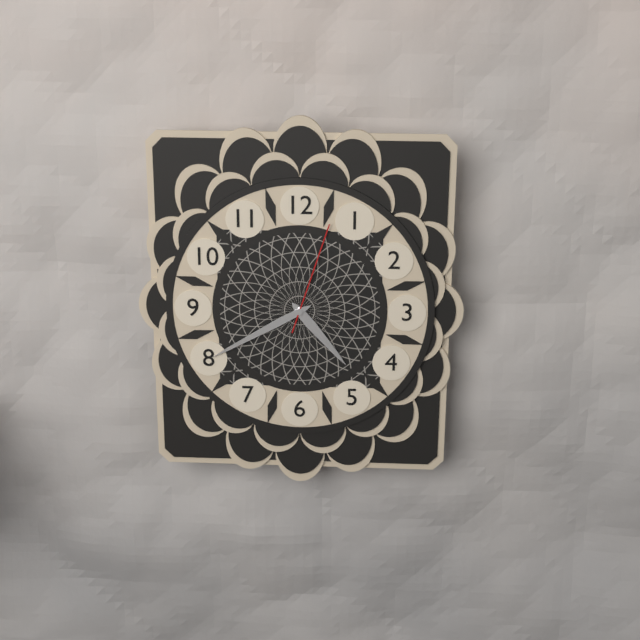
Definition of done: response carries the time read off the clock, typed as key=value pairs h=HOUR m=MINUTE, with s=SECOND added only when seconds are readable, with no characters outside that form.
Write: h=4 m=40 s=3
